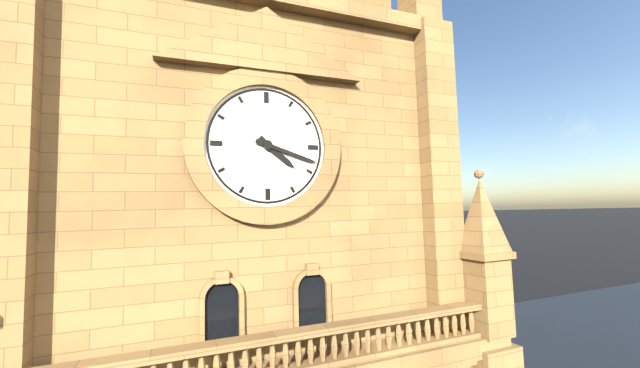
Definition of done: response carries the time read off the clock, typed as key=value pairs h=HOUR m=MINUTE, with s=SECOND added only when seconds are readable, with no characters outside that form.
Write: h=4 m=18
